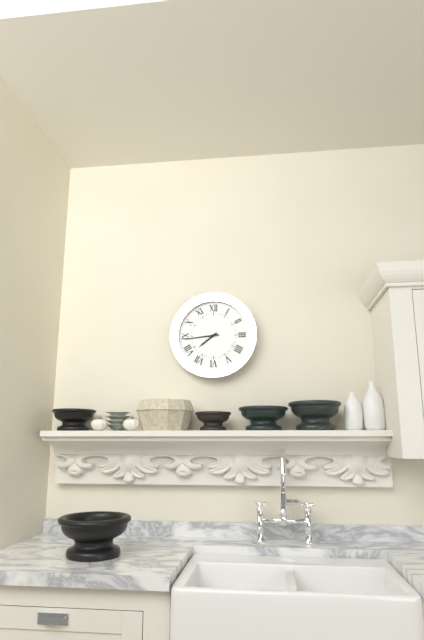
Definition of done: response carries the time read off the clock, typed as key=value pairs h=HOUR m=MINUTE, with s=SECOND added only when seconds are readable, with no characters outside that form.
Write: h=7 m=44
